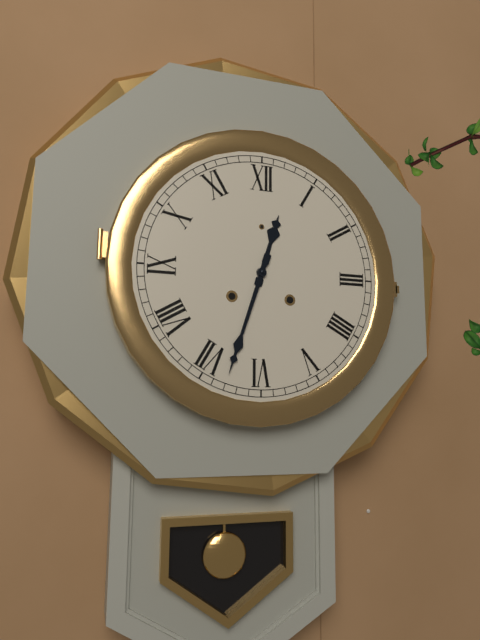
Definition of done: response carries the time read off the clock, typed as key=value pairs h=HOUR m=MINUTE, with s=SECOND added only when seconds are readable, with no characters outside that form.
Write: h=12 m=33
